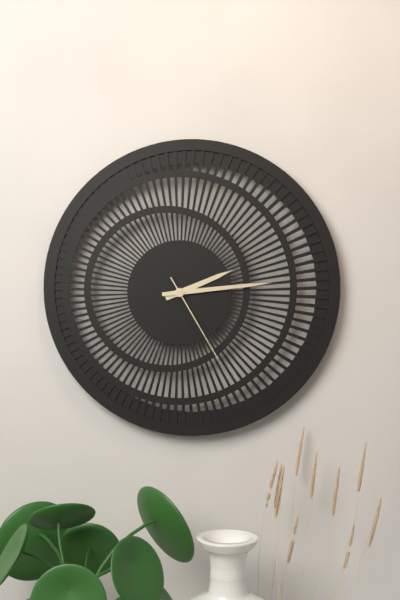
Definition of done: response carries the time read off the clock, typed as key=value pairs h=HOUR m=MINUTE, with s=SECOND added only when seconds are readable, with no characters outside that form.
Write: h=2 m=14 s=25
